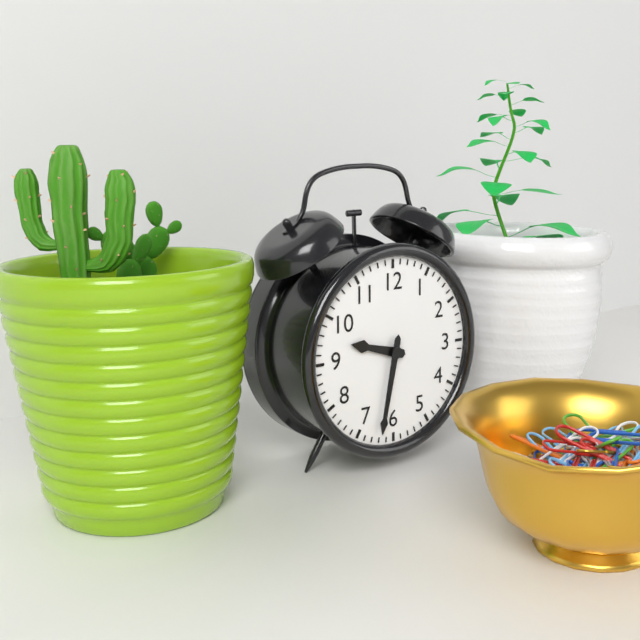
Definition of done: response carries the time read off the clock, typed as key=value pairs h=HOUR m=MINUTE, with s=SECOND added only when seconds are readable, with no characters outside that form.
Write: h=9 m=32
